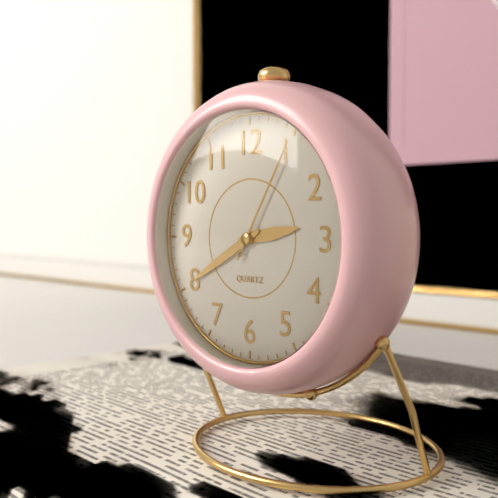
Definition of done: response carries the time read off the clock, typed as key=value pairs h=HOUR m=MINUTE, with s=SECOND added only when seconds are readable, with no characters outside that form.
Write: h=2 m=40 s=5
